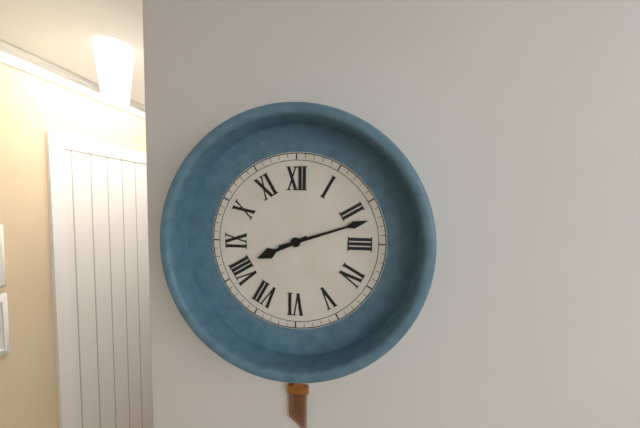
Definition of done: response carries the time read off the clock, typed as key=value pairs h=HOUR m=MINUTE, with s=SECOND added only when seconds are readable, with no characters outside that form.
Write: h=8 m=12
